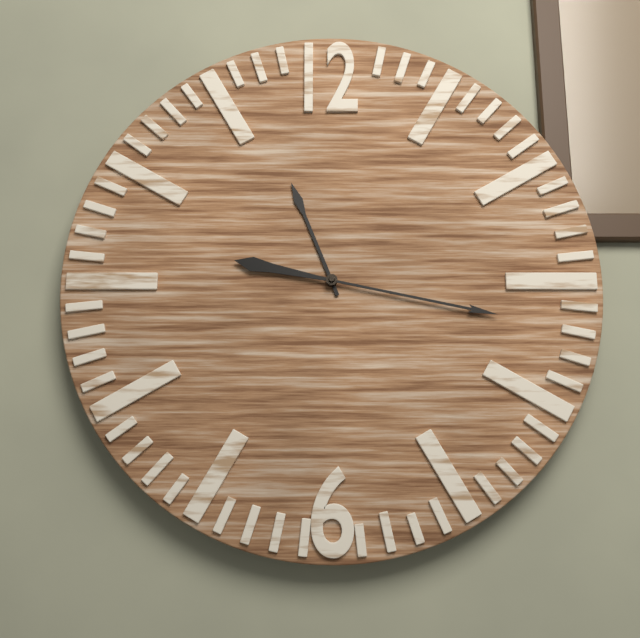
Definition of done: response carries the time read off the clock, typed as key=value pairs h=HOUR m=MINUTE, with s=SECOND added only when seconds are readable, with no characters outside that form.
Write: h=11 m=17
